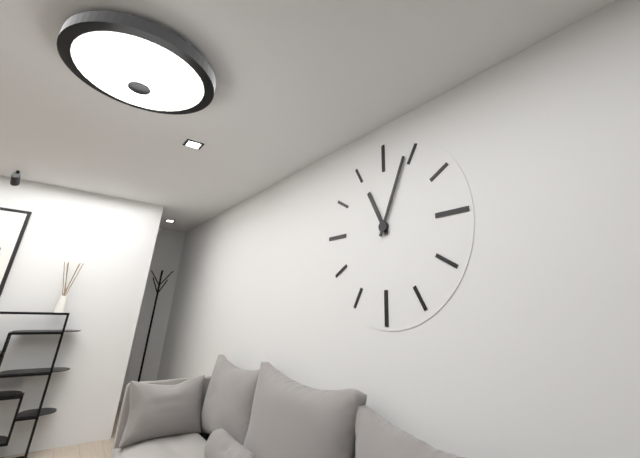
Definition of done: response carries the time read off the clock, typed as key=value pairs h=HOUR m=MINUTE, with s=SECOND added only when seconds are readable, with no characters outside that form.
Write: h=11 m=4
